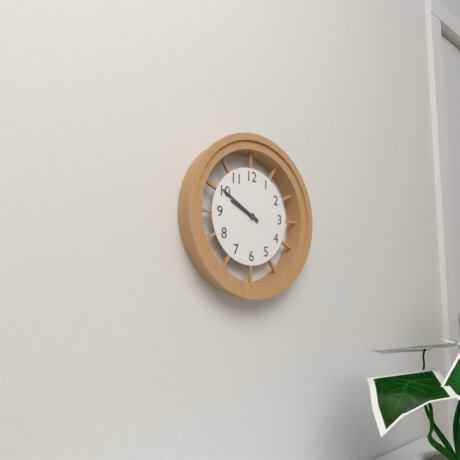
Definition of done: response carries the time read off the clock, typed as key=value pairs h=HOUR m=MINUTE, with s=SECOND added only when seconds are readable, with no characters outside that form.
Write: h=9 m=50
